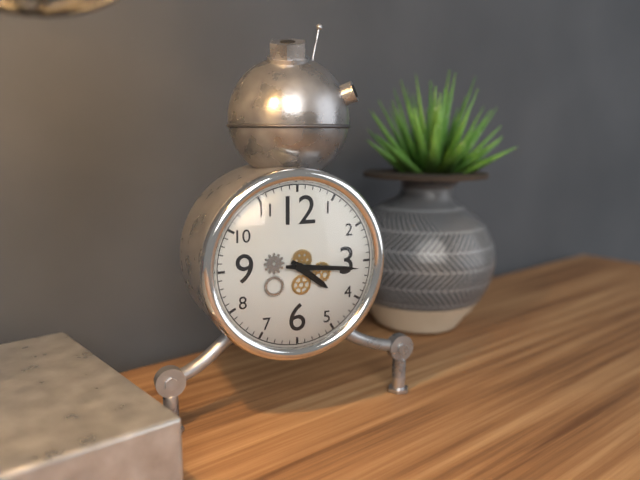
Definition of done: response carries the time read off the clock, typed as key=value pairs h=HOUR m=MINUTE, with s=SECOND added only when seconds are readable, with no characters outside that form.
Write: h=4 m=16
